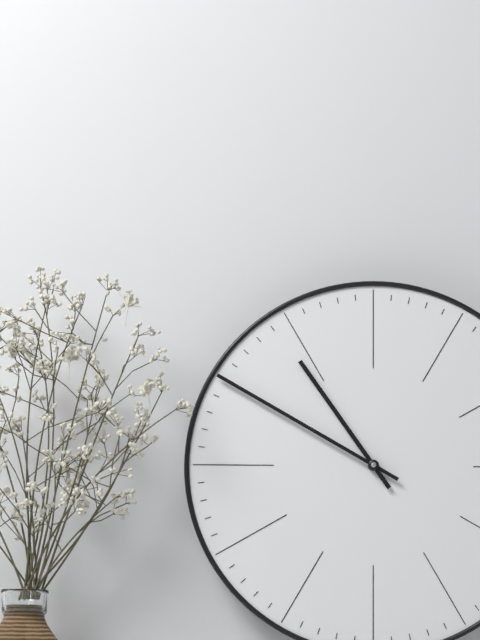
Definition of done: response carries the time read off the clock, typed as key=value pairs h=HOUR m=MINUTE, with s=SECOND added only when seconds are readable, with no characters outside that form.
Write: h=10 m=50
